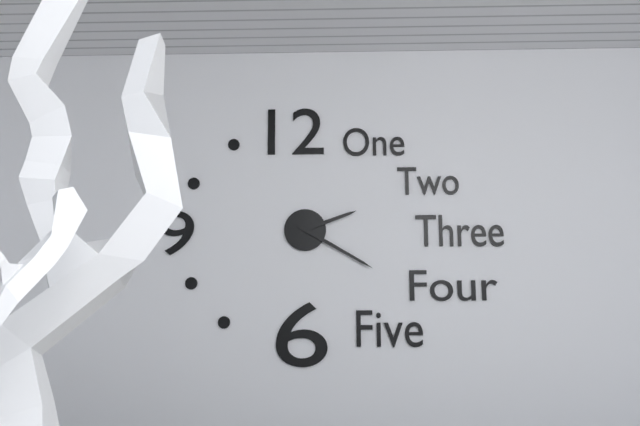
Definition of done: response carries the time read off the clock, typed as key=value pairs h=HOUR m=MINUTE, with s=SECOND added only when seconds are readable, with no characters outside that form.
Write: h=2 m=20
